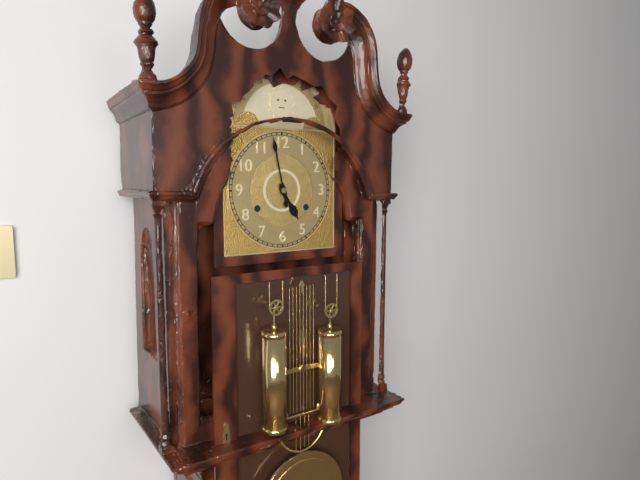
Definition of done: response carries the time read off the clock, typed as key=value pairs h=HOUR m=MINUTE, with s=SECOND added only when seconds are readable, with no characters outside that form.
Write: h=4 m=58
